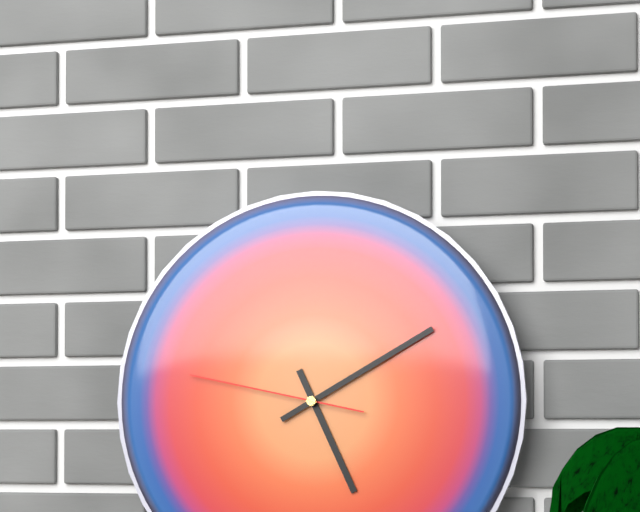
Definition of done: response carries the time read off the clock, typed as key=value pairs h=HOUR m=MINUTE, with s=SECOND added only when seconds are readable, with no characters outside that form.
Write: h=5 m=10 s=47
